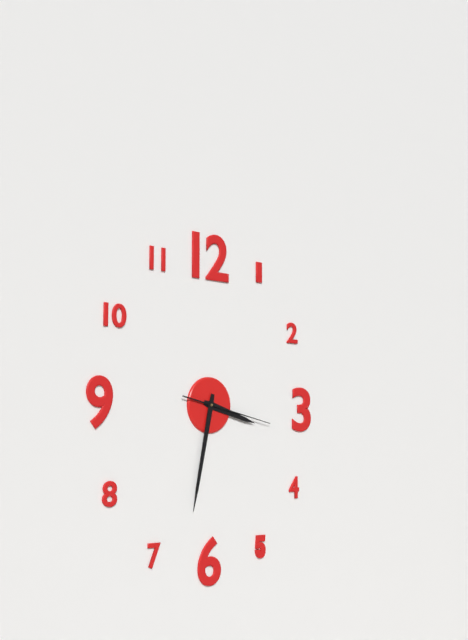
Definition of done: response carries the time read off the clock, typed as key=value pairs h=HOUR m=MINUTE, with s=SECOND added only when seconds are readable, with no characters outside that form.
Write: h=3 m=32 s=17
